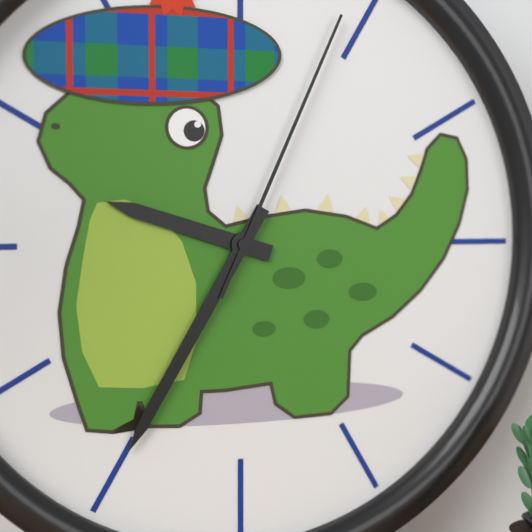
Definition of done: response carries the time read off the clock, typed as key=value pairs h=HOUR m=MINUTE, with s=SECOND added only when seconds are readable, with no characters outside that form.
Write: h=9 m=35 s=4
